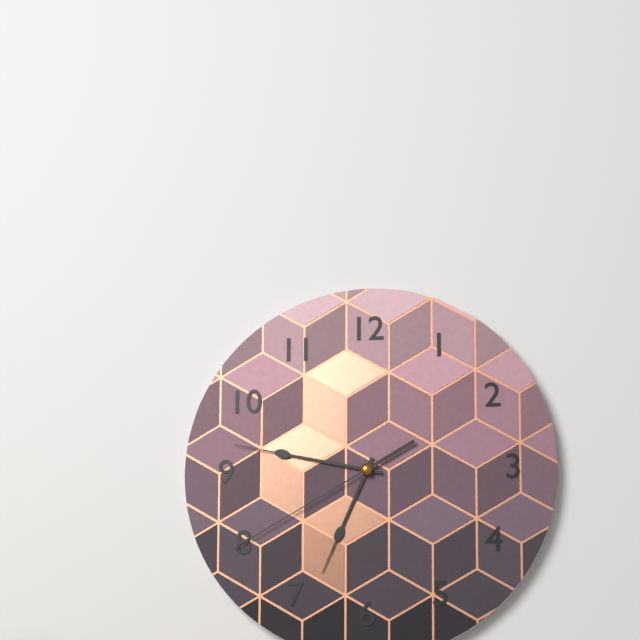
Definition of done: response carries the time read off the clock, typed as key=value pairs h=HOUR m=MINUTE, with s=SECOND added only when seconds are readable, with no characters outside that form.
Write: h=6 m=47 s=40
